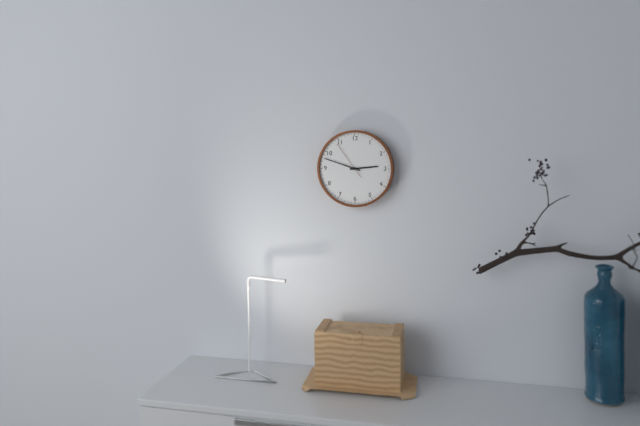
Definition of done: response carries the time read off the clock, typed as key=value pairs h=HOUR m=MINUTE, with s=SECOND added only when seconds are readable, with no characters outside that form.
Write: h=2 m=48
